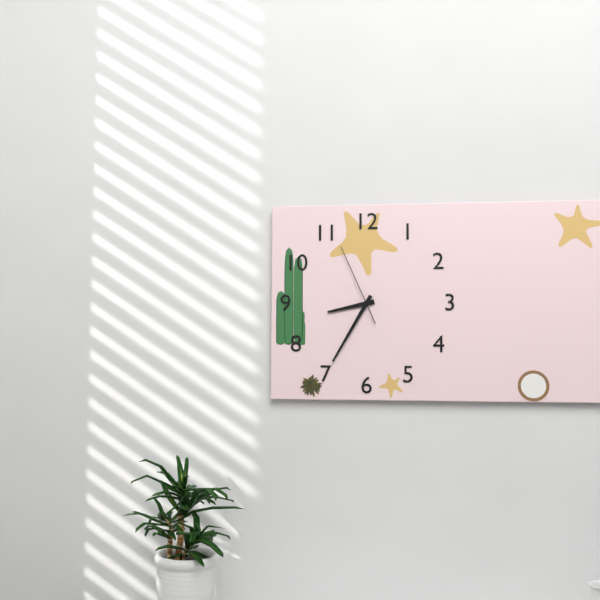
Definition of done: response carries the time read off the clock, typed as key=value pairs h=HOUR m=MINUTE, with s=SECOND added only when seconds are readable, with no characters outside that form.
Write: h=8 m=35 s=56
